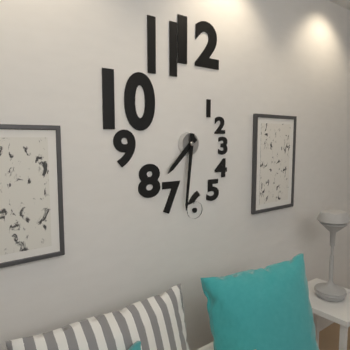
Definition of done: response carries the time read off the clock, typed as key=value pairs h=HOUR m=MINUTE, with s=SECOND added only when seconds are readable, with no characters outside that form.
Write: h=7 m=31
